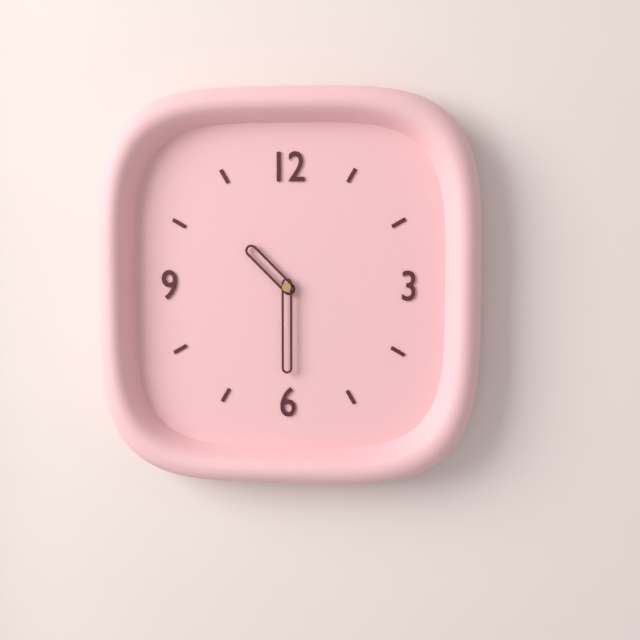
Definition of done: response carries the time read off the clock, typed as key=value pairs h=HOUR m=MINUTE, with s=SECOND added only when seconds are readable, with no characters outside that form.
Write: h=10 m=30
